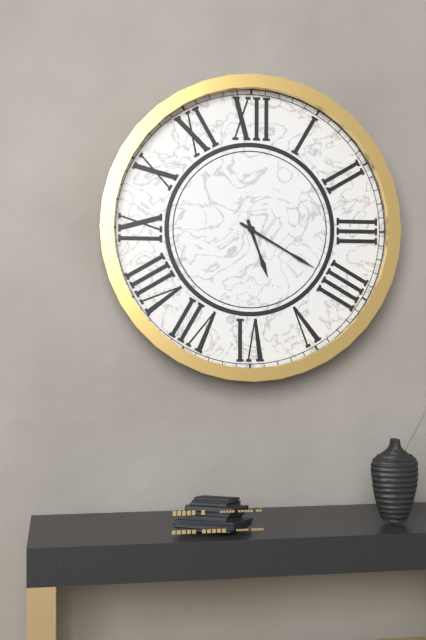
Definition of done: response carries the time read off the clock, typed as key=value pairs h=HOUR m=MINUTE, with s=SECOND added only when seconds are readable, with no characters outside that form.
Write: h=5 m=20
